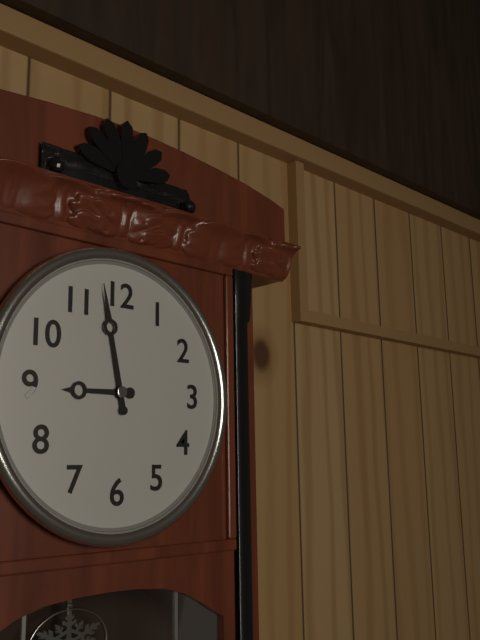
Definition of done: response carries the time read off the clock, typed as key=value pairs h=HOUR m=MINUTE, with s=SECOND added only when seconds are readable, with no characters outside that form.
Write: h=8 m=58
